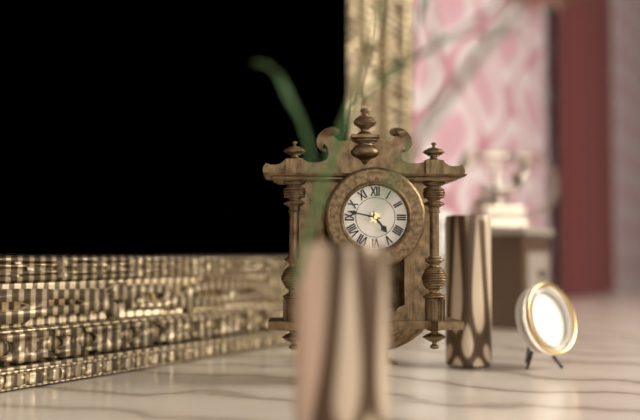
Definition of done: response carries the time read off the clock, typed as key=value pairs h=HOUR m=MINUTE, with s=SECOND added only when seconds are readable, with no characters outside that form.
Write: h=4 m=47
